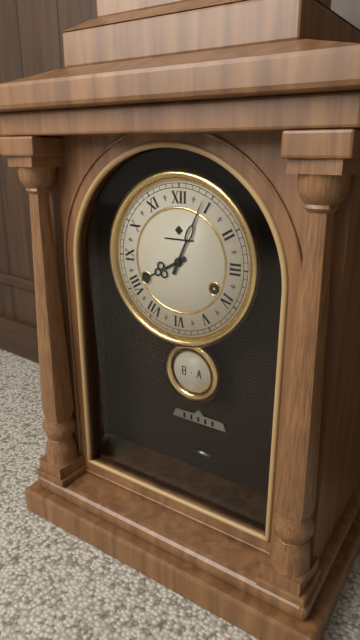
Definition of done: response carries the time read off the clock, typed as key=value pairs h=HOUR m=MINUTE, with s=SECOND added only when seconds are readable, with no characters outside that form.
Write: h=8 m=4
